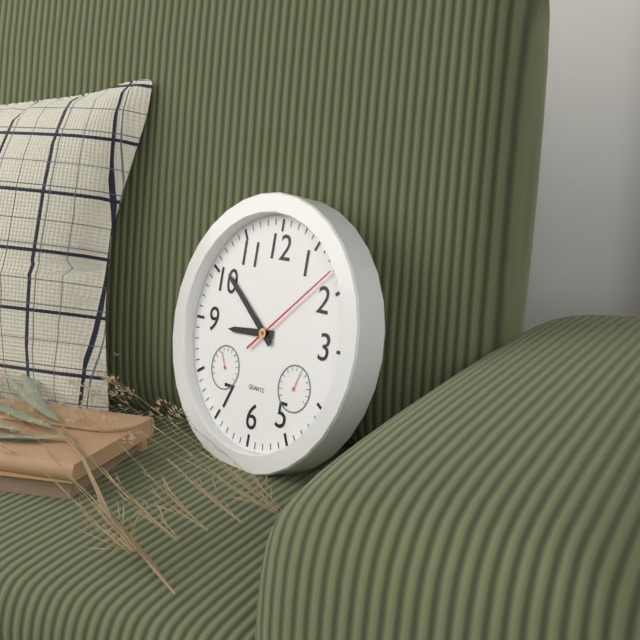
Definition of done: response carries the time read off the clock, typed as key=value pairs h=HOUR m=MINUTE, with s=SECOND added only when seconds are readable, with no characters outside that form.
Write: h=8 m=51 s=8
